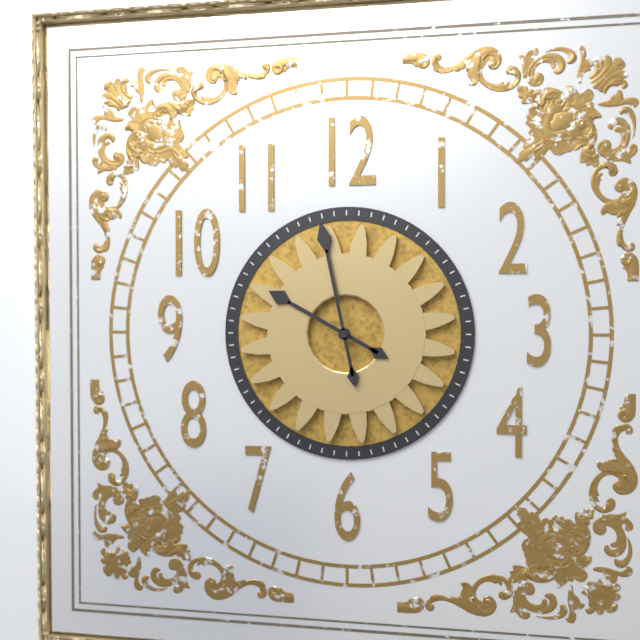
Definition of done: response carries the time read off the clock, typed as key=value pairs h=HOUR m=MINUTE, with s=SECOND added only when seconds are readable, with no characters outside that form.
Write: h=9 m=58
